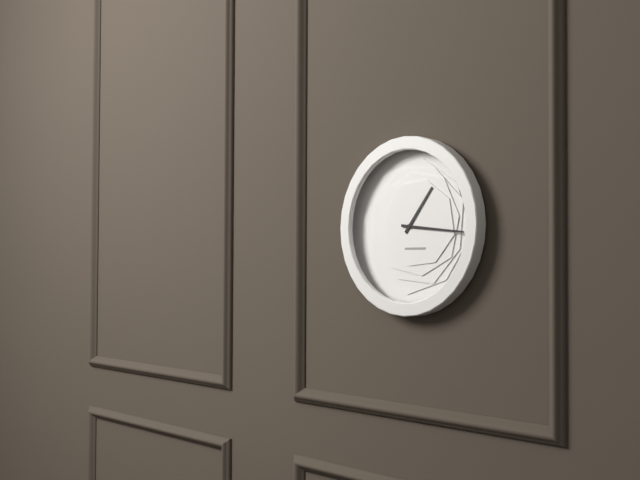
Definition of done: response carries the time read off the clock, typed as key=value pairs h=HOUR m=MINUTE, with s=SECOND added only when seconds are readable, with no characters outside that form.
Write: h=1 m=16
